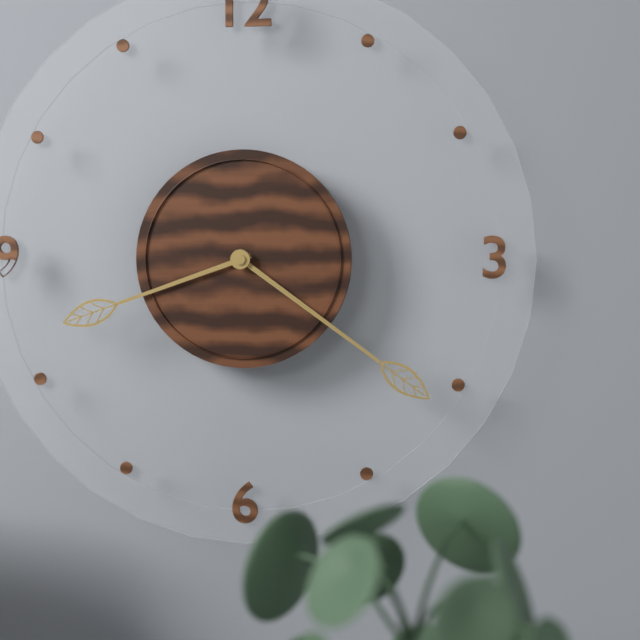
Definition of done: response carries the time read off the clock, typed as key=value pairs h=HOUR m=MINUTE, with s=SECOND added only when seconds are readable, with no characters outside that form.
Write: h=8 m=21
